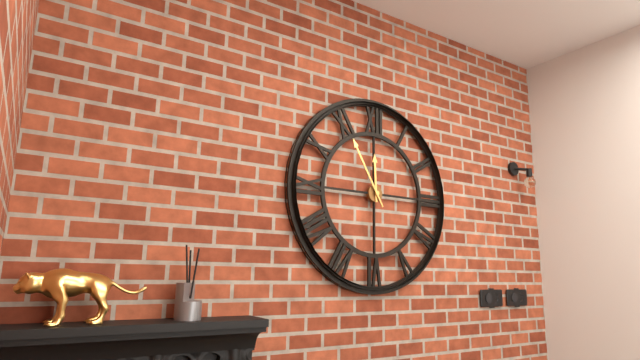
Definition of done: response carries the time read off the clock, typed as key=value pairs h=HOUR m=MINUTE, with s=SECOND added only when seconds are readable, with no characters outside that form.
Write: h=11 m=55
